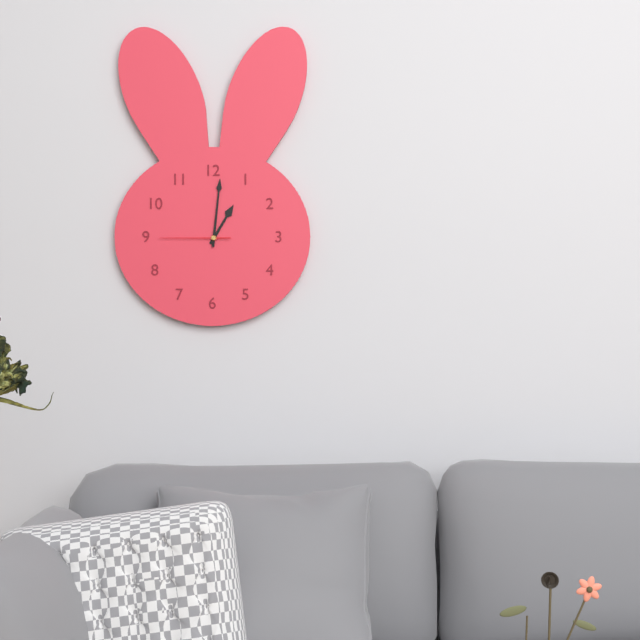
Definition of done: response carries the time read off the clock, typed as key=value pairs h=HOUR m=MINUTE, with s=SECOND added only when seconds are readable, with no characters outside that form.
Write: h=1 m=1 s=45
